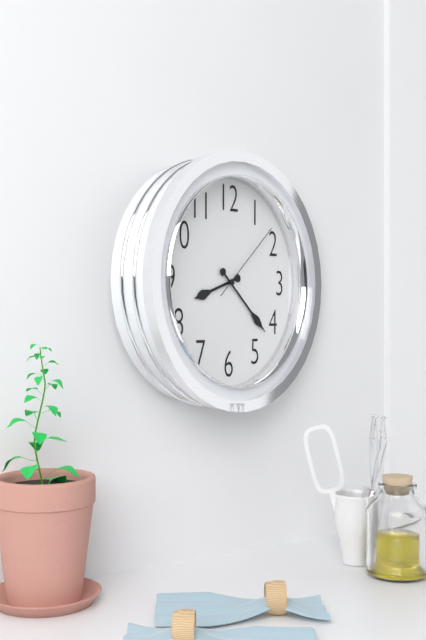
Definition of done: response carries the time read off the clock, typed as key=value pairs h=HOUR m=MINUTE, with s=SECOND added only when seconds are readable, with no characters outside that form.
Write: h=8 m=22 s=8
